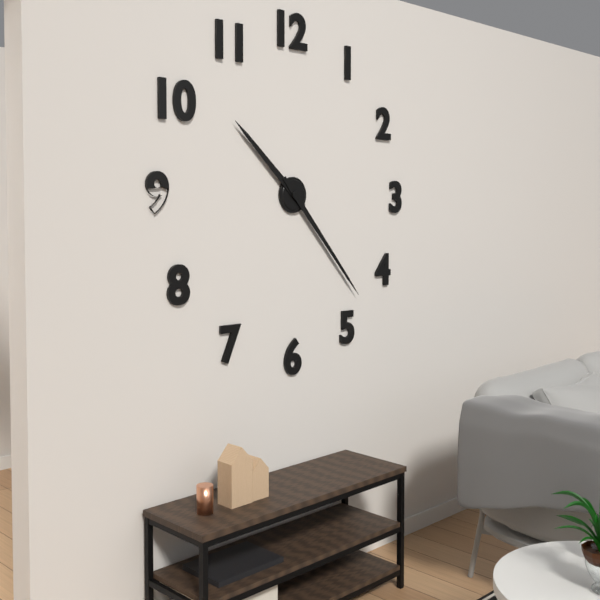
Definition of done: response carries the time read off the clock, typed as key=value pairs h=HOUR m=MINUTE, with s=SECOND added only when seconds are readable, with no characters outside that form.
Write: h=10 m=23
